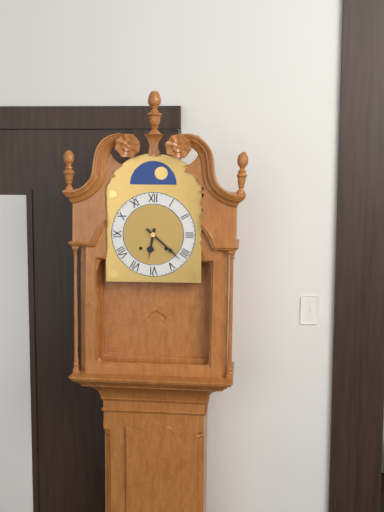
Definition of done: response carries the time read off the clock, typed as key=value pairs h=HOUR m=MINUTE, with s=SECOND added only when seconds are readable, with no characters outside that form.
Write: h=6 m=22
